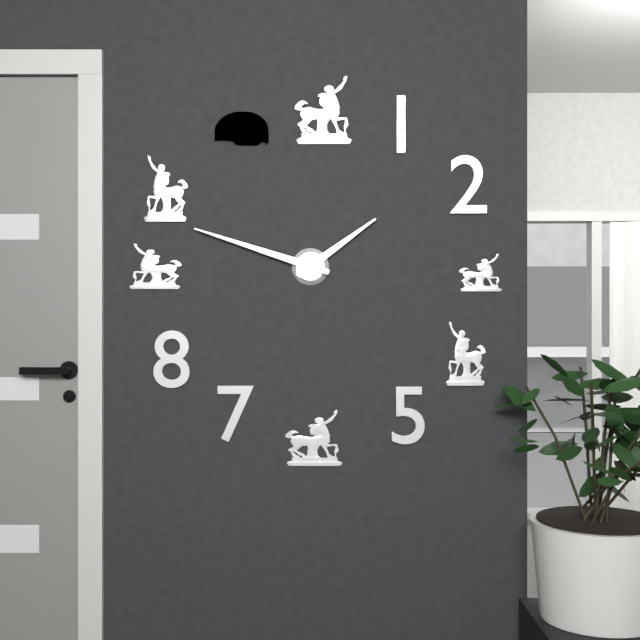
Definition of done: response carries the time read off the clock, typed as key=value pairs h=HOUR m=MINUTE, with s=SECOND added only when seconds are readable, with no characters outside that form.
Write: h=1 m=48
